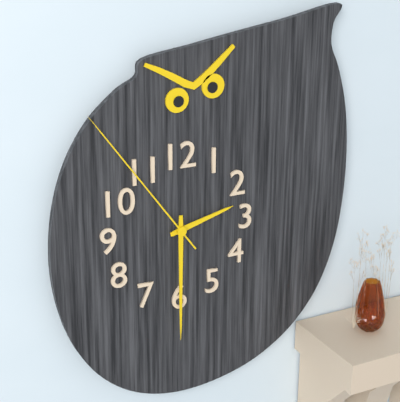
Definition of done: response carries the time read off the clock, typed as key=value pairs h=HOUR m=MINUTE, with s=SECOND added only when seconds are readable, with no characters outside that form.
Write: h=2 m=30 s=54
